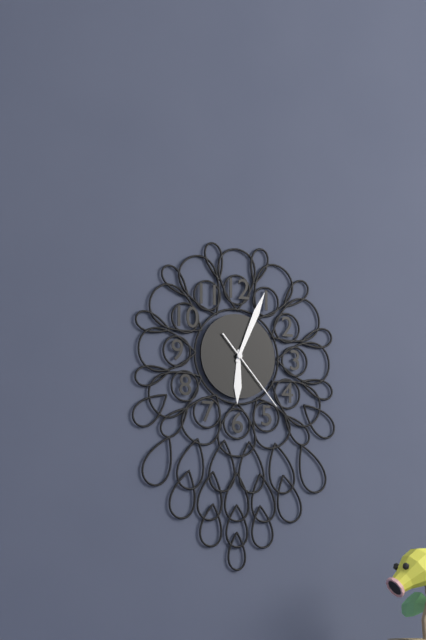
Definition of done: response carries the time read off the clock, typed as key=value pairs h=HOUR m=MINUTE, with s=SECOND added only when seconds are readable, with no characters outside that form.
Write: h=6 m=4 s=23
